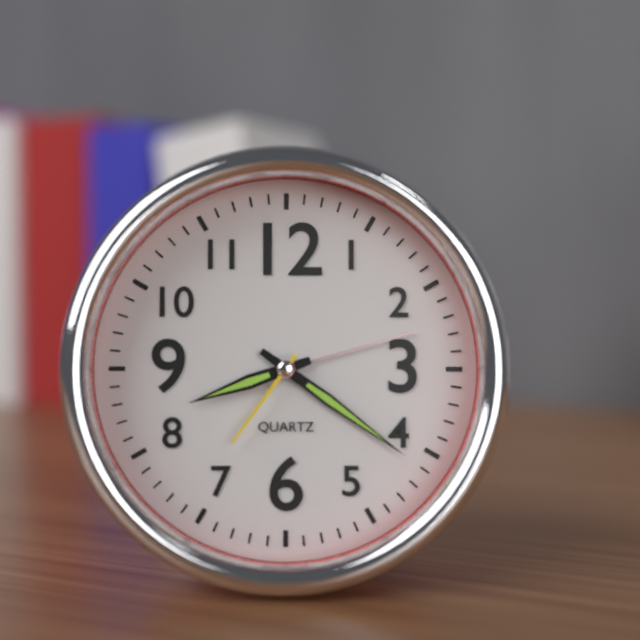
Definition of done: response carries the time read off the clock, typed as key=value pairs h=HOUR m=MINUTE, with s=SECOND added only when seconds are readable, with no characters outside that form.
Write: h=8 m=21 s=36
